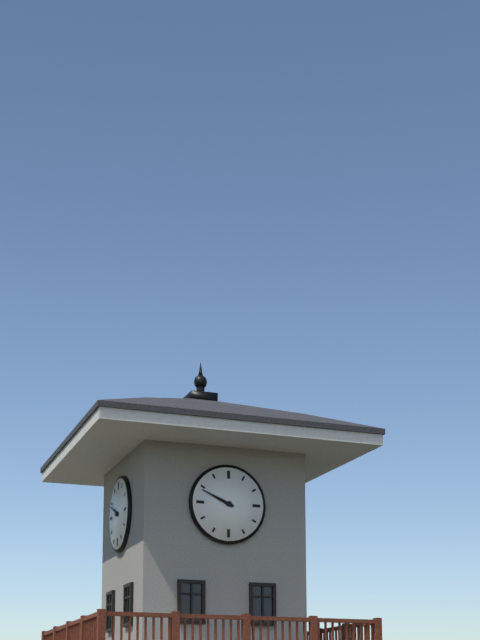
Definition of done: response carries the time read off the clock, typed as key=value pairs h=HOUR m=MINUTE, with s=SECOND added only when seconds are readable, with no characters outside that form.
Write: h=9 m=49
